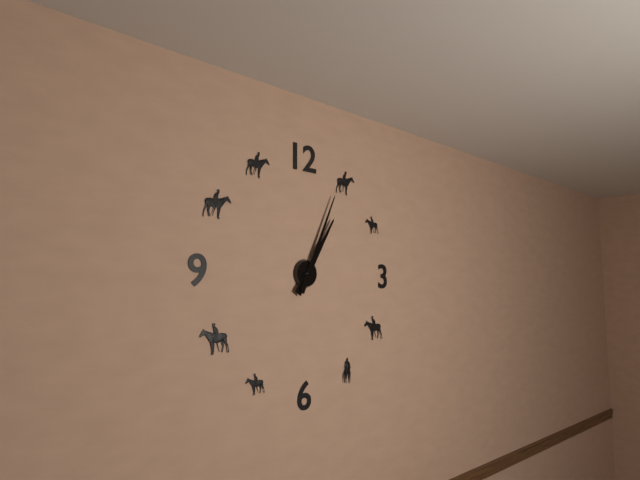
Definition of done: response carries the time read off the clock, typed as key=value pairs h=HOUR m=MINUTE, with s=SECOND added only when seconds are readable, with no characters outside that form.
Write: h=1 m=4
